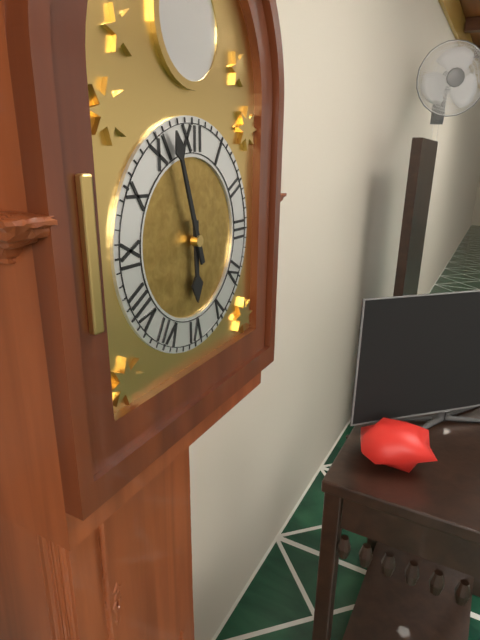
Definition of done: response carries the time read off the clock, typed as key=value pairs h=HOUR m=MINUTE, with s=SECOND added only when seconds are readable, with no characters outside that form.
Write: h=5 m=57
